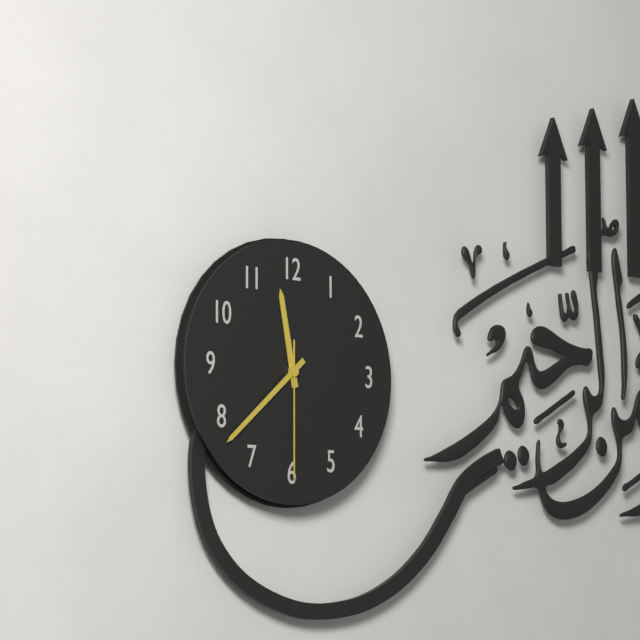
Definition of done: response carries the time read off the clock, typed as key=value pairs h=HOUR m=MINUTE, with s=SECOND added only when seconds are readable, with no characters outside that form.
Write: h=11 m=38 s=30
